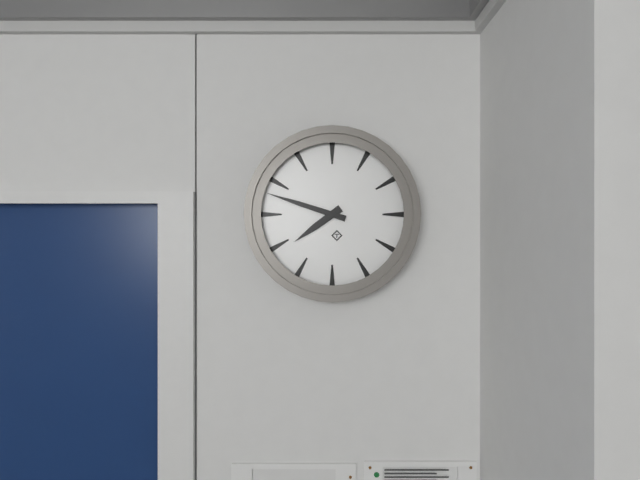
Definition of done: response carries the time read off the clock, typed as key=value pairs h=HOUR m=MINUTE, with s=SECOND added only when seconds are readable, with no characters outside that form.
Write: h=7 m=48
